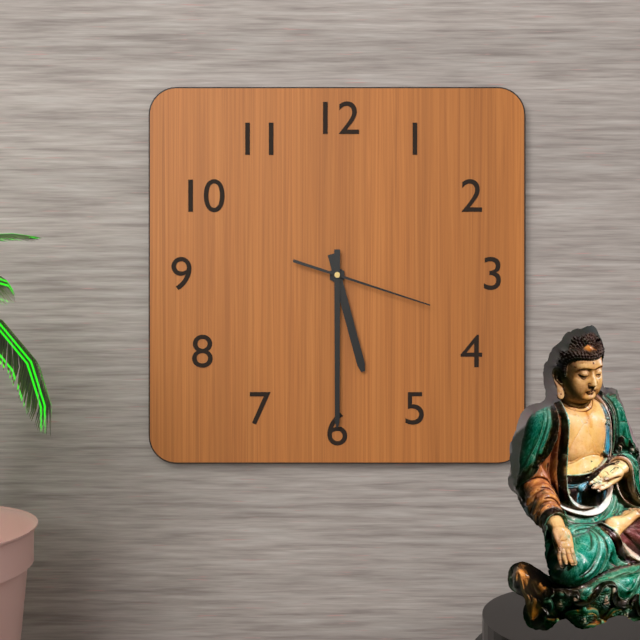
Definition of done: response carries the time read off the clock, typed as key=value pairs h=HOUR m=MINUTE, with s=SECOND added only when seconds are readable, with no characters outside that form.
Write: h=5 m=30 s=18
